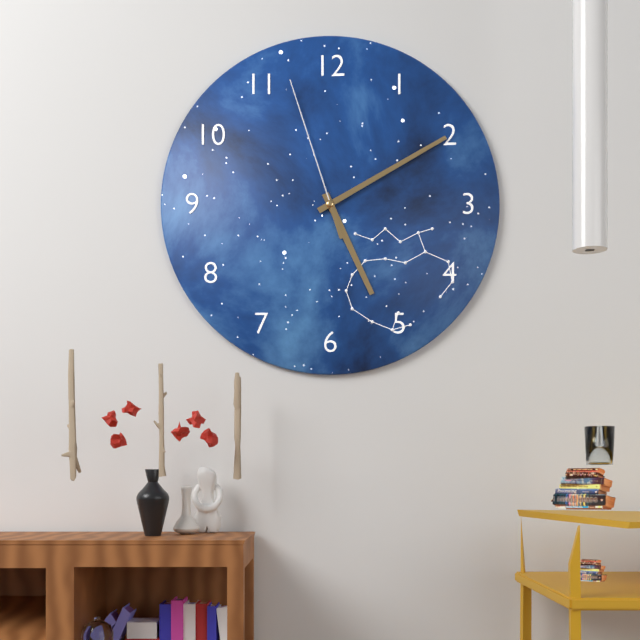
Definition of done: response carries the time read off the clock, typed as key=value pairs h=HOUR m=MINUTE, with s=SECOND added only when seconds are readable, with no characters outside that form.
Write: h=5 m=10 s=57
